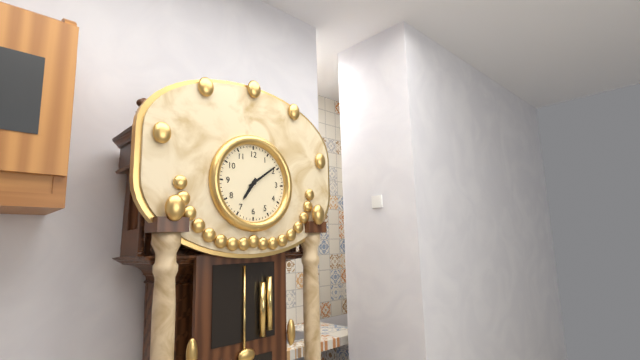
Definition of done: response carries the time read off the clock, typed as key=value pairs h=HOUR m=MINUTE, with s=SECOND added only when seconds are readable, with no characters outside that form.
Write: h=7 m=9
